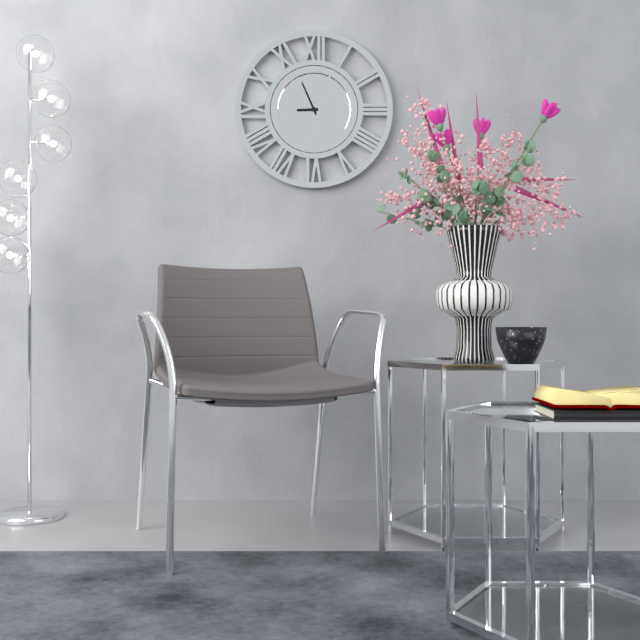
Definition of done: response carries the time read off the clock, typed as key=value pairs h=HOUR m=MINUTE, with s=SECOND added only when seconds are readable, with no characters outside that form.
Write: h=8 m=56
